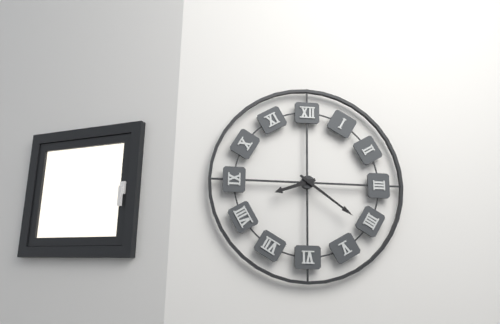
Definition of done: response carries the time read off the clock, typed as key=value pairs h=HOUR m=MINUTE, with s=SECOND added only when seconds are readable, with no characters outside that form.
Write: h=8 m=21
